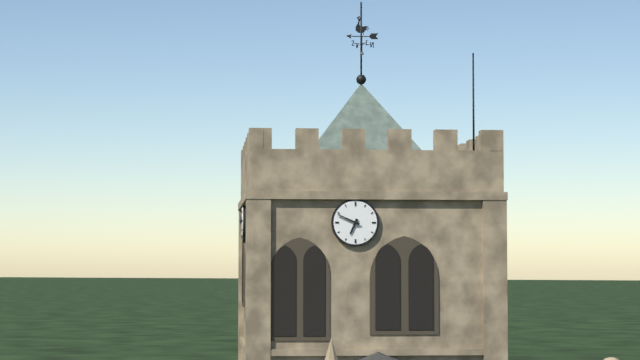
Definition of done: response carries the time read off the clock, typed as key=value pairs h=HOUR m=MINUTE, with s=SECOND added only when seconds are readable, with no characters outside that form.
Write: h=6 m=49
